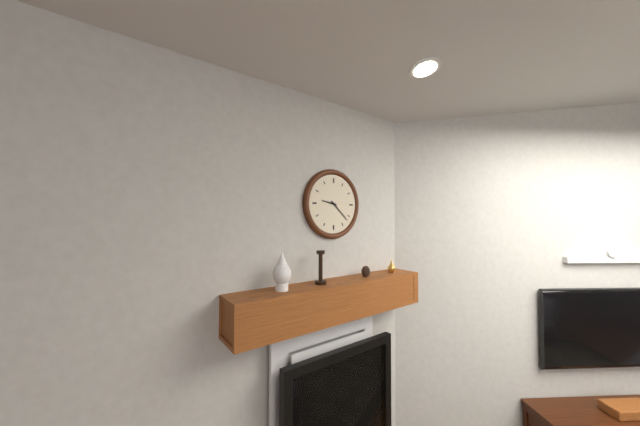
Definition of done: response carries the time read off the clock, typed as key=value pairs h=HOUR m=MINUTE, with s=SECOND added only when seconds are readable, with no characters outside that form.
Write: h=9 m=22
